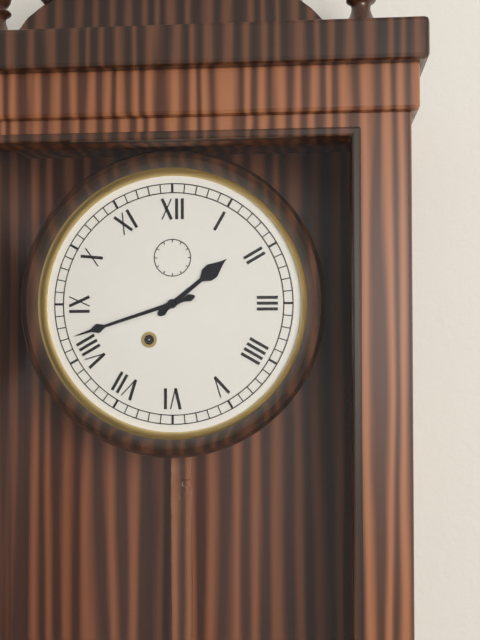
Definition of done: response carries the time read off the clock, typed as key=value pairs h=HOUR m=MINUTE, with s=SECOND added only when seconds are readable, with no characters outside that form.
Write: h=1 m=42
